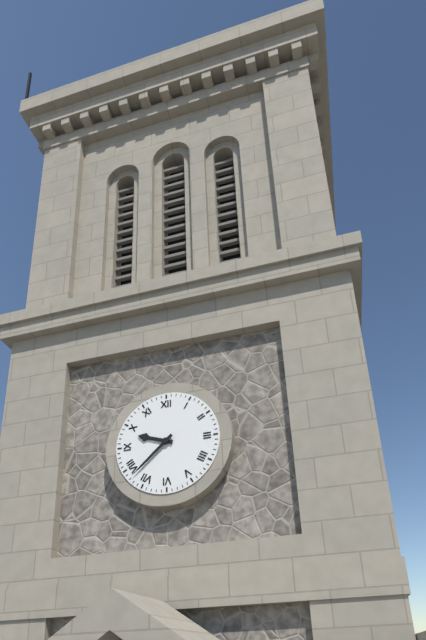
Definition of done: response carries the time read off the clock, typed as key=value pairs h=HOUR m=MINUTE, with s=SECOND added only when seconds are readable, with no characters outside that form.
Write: h=9 m=38
